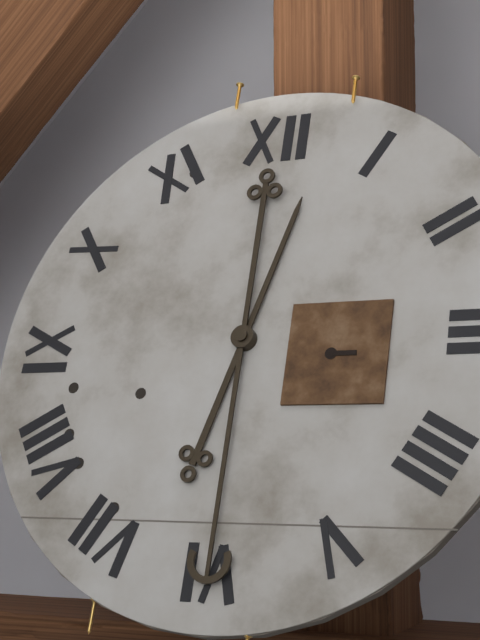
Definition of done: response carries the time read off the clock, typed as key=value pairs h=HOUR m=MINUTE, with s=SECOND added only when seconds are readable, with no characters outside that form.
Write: h=12 m=30
